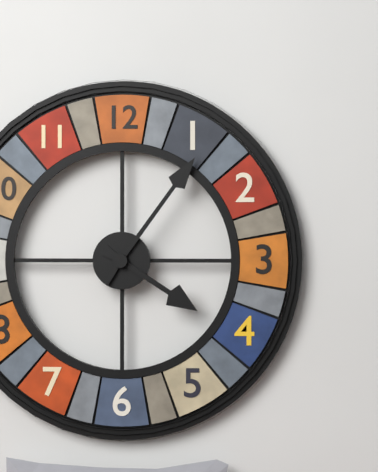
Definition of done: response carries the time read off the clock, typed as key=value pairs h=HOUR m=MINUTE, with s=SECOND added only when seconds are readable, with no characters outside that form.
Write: h=4 m=6
